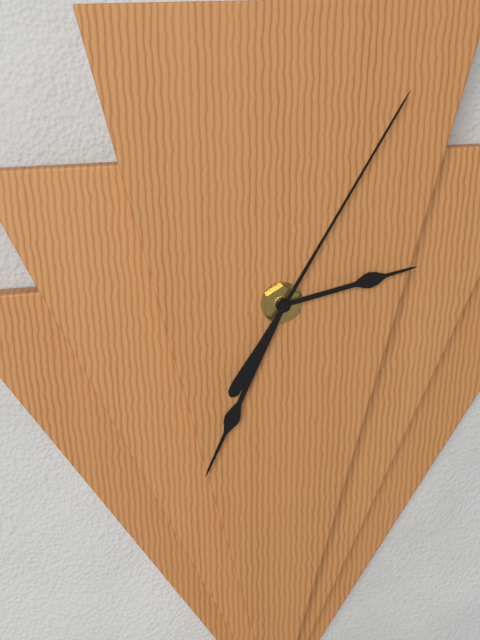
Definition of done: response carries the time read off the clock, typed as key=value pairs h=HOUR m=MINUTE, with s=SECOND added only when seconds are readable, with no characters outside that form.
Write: h=2 m=34 s=5
